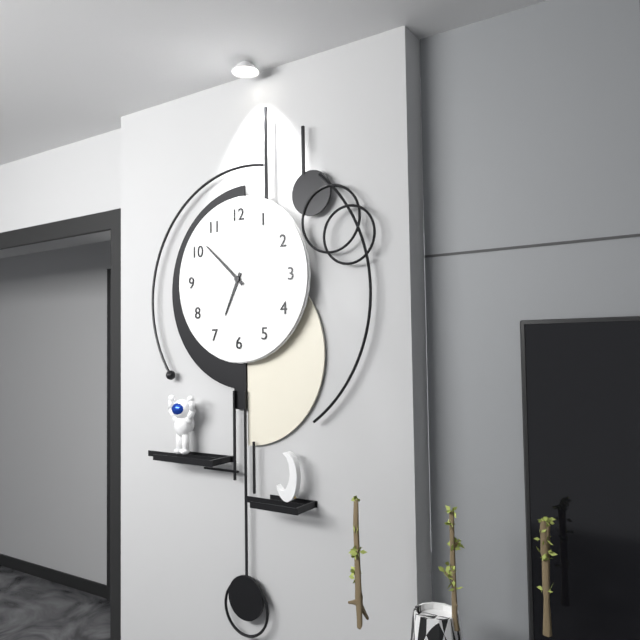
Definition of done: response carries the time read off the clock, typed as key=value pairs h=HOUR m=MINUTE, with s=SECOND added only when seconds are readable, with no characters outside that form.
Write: h=6 m=52
